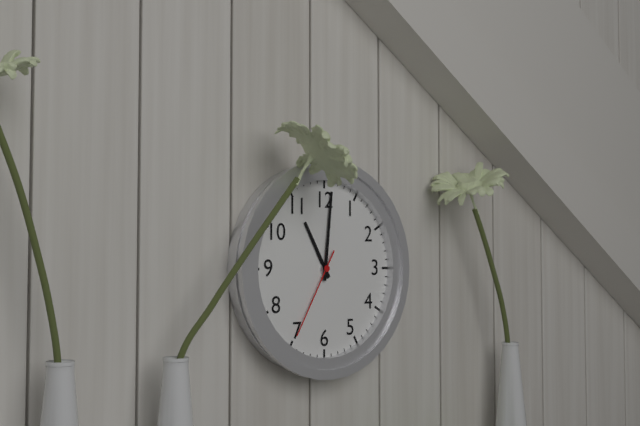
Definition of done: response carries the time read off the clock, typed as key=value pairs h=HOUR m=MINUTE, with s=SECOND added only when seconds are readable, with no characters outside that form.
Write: h=11 m=1 s=35
